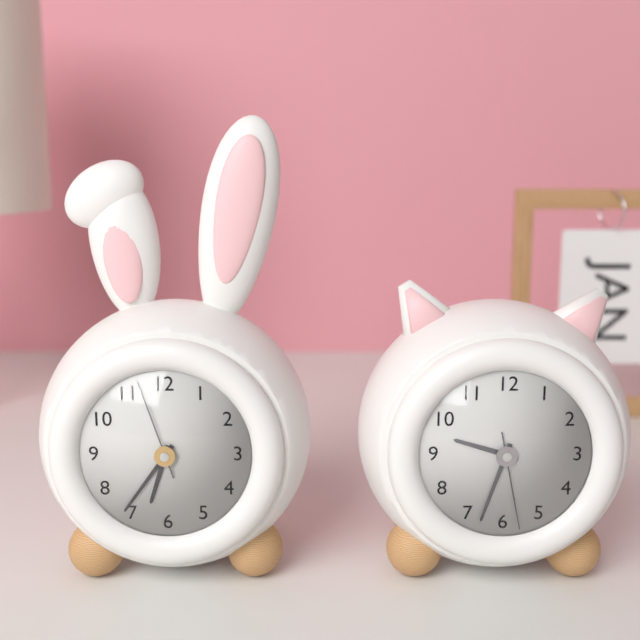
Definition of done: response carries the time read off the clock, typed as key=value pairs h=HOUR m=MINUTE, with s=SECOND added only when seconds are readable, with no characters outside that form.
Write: h=6 m=36 s=57
